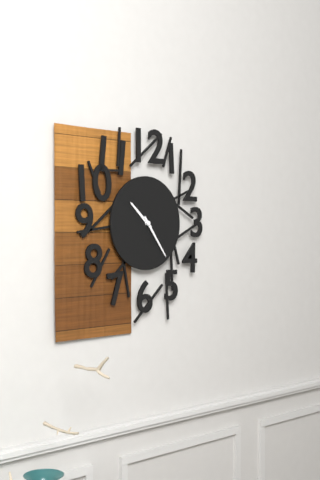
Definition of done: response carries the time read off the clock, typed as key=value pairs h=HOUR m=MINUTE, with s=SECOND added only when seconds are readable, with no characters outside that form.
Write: h=10 m=24
